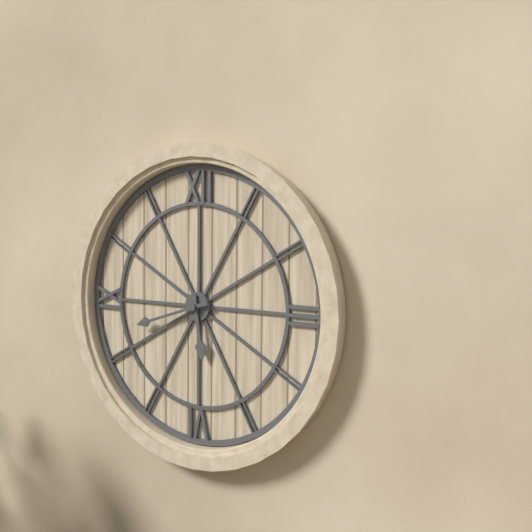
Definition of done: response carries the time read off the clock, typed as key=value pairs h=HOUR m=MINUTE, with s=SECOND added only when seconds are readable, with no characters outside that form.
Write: h=5 m=42
